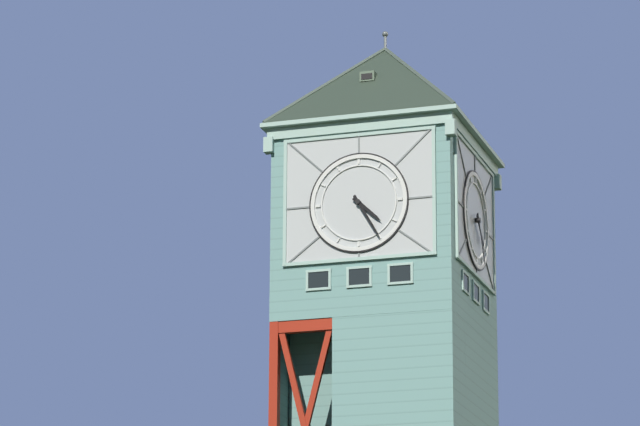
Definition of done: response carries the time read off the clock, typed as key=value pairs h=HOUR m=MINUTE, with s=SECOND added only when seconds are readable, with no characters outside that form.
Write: h=4 m=25
